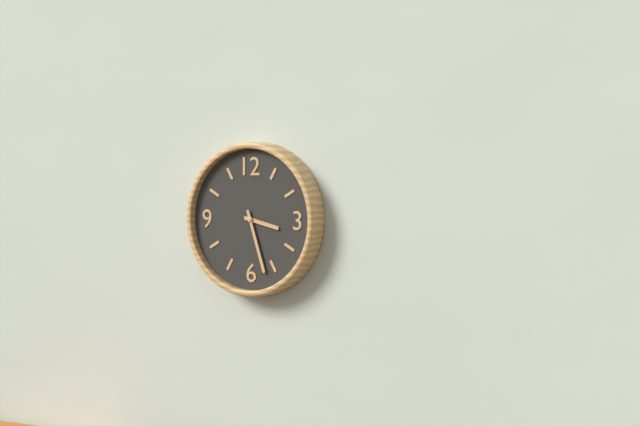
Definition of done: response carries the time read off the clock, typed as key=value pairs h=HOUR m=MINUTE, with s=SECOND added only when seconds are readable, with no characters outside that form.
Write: h=3 m=27
